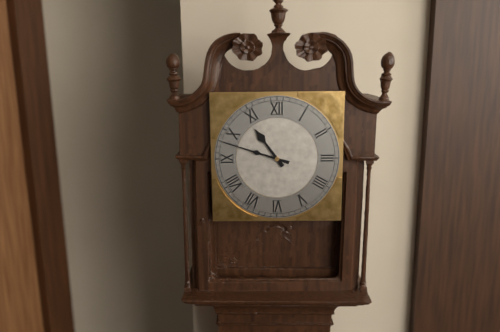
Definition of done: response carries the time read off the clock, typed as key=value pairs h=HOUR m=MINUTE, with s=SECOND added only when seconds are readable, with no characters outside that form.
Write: h=10 m=48
